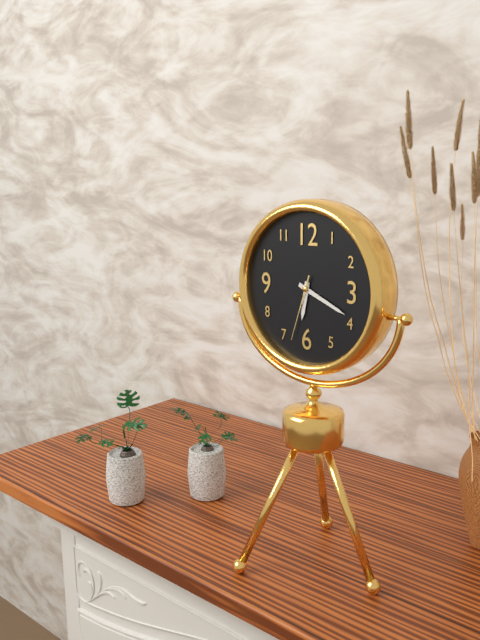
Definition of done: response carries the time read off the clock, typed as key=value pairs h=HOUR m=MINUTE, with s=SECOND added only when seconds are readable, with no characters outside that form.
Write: h=6 m=19 s=33
